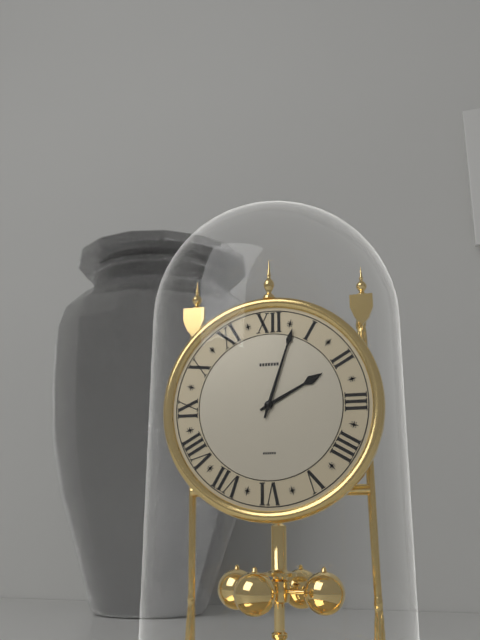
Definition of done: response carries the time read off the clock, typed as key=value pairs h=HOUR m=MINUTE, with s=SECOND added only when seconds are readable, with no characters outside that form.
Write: h=2 m=3
